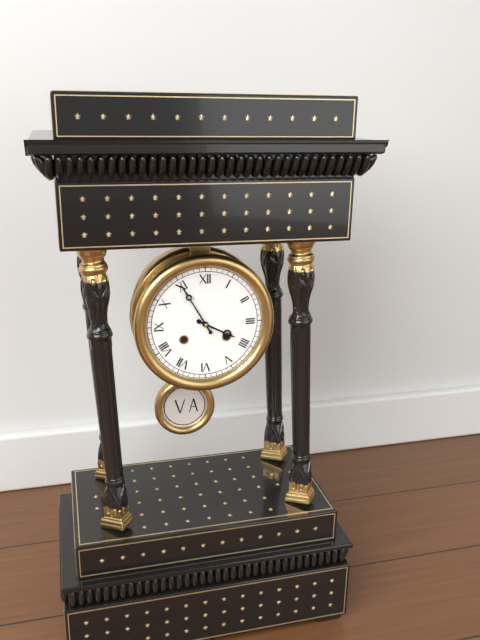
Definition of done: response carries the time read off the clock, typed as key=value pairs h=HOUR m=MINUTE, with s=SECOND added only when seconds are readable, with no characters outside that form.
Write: h=3 m=55
